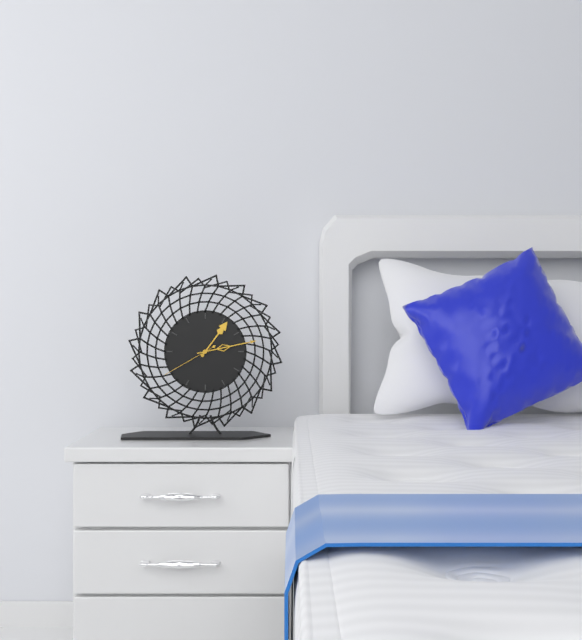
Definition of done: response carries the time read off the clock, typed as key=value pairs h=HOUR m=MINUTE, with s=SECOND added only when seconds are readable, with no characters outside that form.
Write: h=1 m=13 s=40
